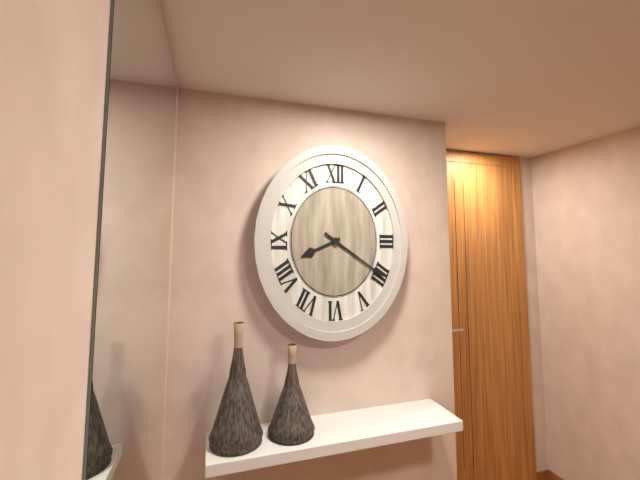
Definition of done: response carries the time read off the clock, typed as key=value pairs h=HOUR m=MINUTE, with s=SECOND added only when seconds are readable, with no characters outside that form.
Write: h=8 m=20
